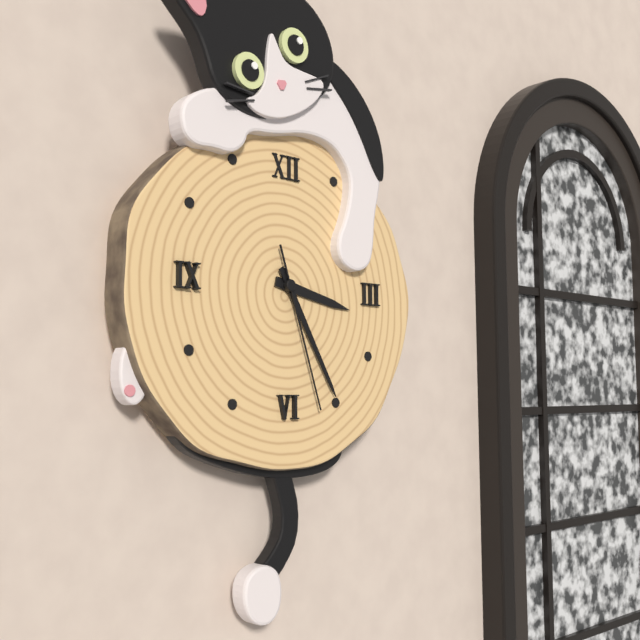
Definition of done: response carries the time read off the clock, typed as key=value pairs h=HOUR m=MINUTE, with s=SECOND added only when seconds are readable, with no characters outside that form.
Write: h=3 m=25 s=27
